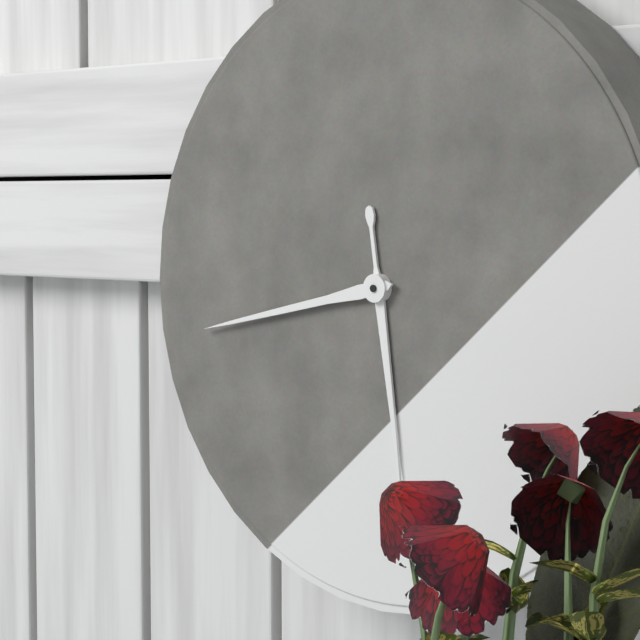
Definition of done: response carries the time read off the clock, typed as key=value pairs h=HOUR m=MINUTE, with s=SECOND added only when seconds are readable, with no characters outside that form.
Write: h=5 m=43
